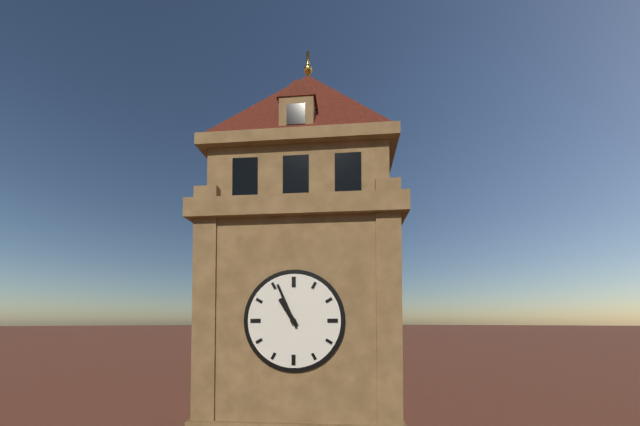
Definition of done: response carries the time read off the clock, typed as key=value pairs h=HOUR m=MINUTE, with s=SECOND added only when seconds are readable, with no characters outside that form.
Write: h=10 m=56
